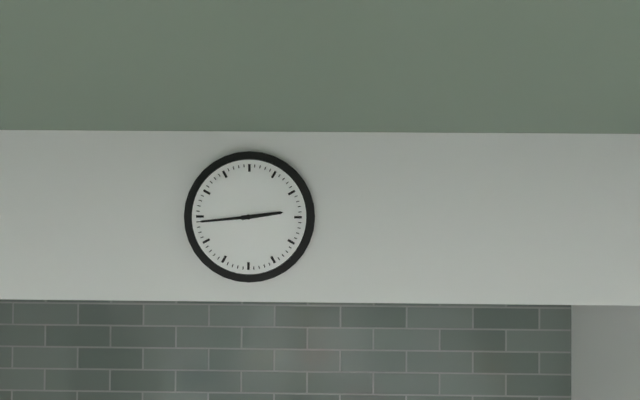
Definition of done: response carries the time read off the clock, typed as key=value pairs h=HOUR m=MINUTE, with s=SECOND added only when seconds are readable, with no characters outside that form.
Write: h=2 m=44
